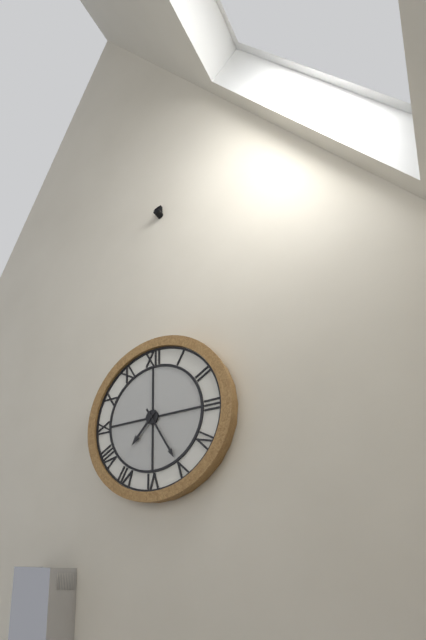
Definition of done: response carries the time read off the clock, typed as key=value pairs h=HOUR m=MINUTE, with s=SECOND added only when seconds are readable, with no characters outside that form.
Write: h=7 m=25
